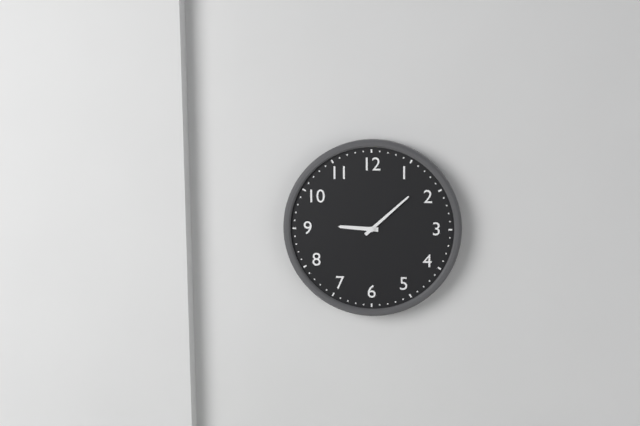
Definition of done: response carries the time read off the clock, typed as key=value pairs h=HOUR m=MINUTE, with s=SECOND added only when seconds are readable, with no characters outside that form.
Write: h=9 m=8
